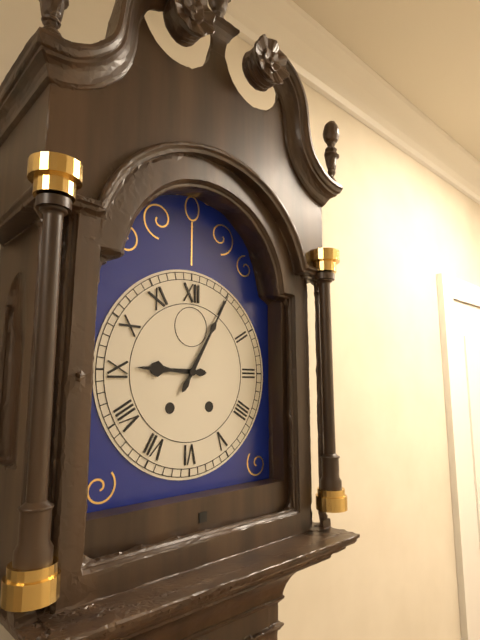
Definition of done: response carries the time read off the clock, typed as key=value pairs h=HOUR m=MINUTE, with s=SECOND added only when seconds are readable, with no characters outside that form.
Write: h=9 m=5
